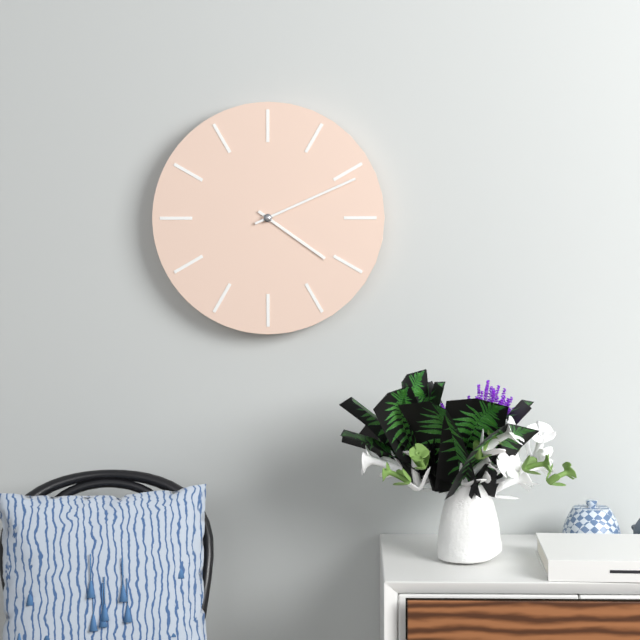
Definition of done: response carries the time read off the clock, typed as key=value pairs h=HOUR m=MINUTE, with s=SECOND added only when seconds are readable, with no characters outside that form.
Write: h=4 m=11
